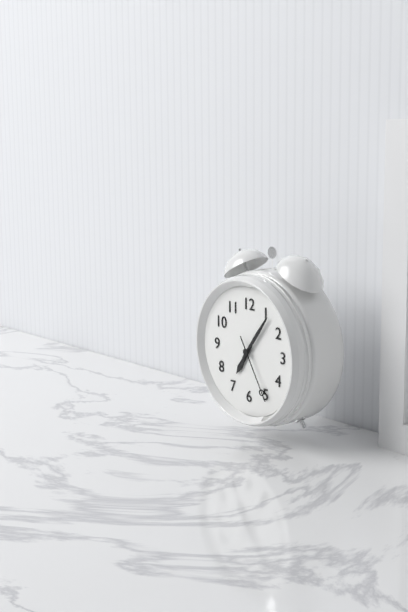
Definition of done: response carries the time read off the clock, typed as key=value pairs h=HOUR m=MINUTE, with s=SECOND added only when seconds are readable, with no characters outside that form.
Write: h=7 m=6 s=25
